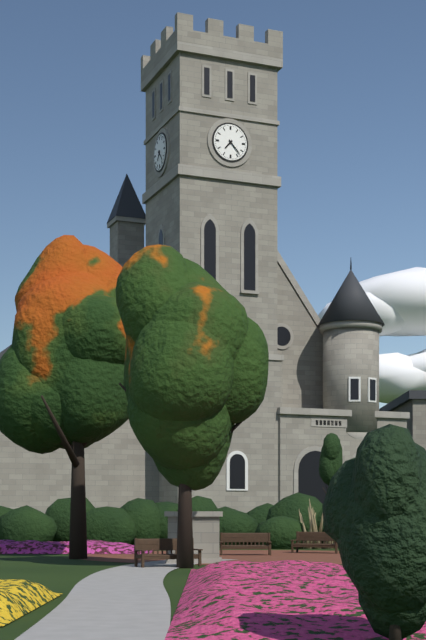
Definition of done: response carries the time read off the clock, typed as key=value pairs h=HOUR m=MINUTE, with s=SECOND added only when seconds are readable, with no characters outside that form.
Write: h=7 m=23
